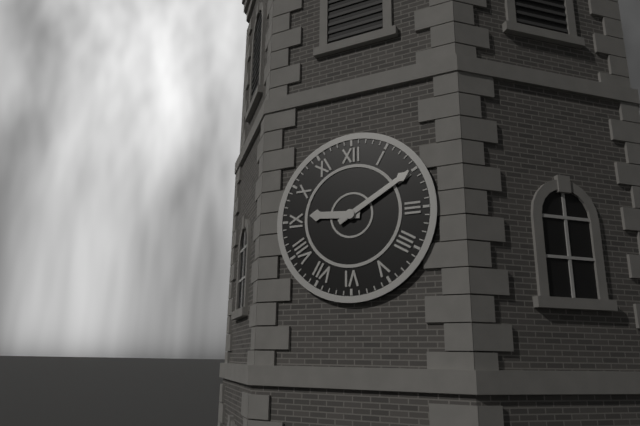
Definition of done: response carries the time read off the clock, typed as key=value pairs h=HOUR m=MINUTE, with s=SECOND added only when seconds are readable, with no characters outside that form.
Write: h=9 m=10
